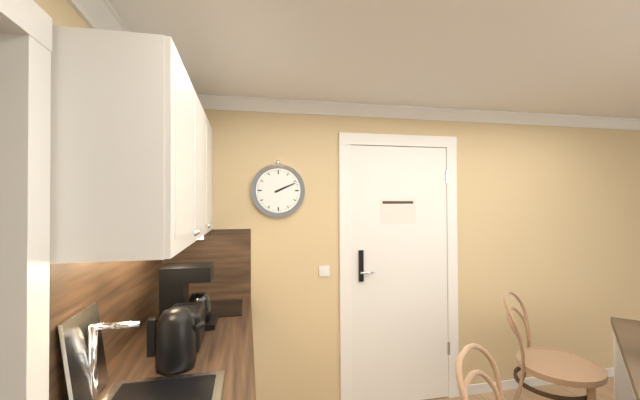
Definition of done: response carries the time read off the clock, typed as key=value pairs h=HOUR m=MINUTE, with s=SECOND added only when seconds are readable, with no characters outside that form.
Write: h=2 m=11
